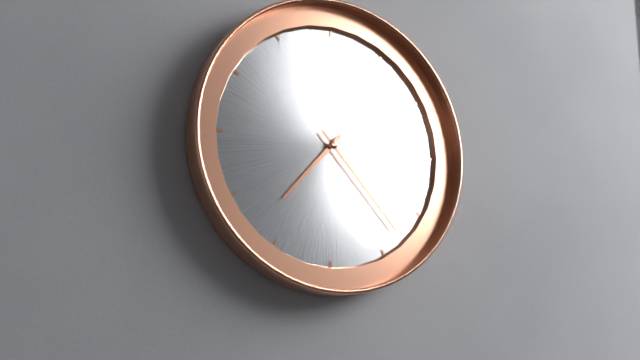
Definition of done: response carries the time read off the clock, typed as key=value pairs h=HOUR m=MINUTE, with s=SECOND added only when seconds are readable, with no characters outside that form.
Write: h=7 m=23
